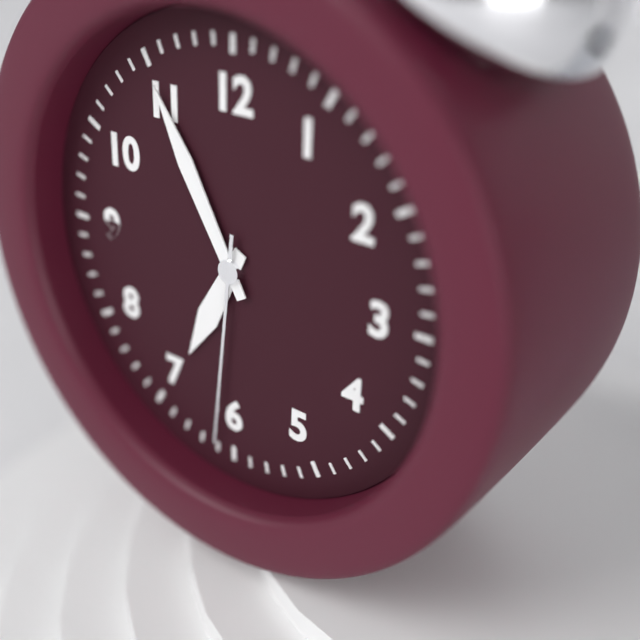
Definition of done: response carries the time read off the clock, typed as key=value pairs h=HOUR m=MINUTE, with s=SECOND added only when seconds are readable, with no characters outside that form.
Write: h=6 m=55 s=31
